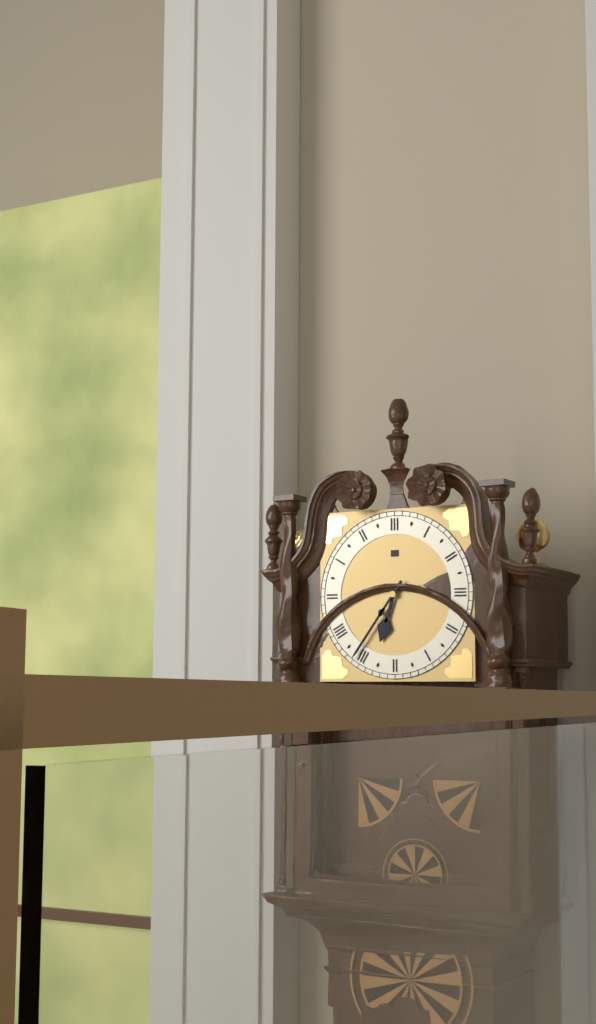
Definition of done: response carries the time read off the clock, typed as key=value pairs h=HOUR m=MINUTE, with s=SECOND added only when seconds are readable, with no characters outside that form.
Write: h=6 m=36
